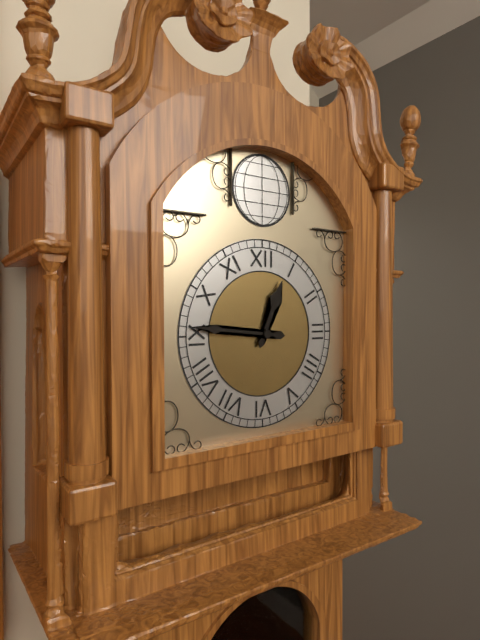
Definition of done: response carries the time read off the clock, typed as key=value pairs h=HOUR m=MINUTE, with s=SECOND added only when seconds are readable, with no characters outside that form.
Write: h=12 m=46
